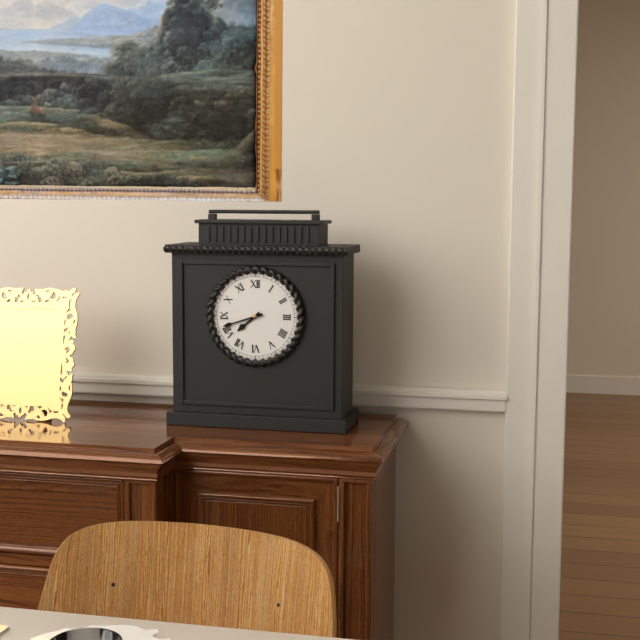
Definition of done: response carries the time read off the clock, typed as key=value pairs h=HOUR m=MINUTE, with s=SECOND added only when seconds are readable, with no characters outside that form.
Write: h=7 m=42
